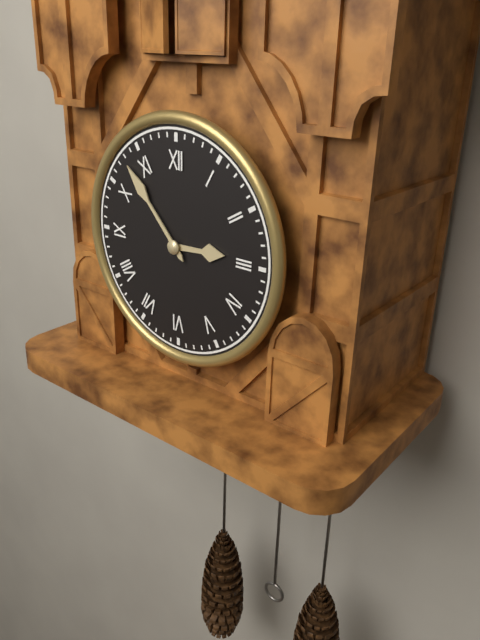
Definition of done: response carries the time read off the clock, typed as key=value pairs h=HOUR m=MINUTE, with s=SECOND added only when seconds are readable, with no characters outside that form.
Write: h=2 m=53
